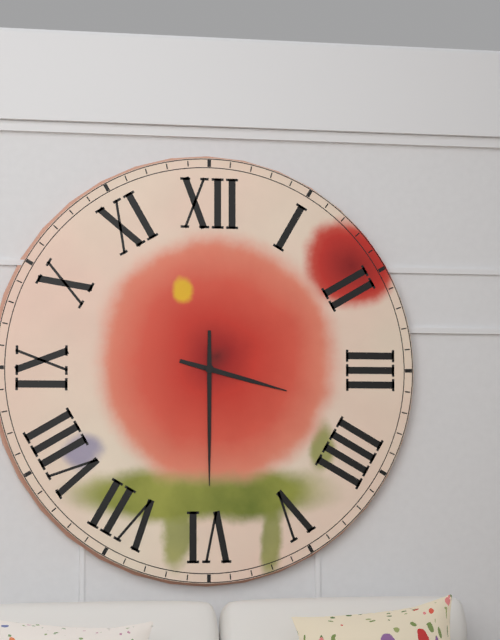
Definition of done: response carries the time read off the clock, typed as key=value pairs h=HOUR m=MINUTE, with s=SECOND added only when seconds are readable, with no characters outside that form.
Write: h=3 m=30
